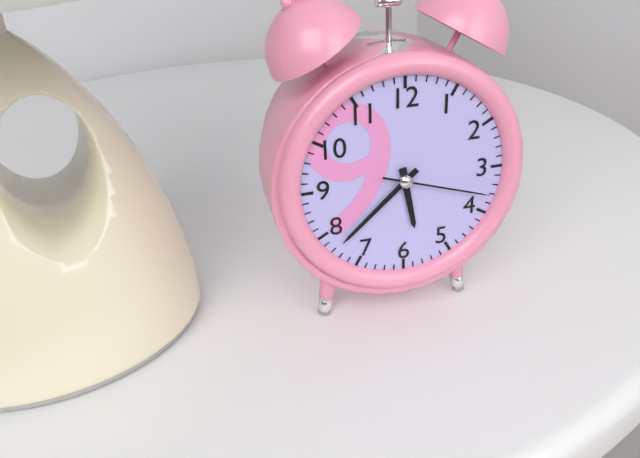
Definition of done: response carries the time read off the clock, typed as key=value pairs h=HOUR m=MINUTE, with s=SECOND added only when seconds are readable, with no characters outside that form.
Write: h=5 m=38 s=18
